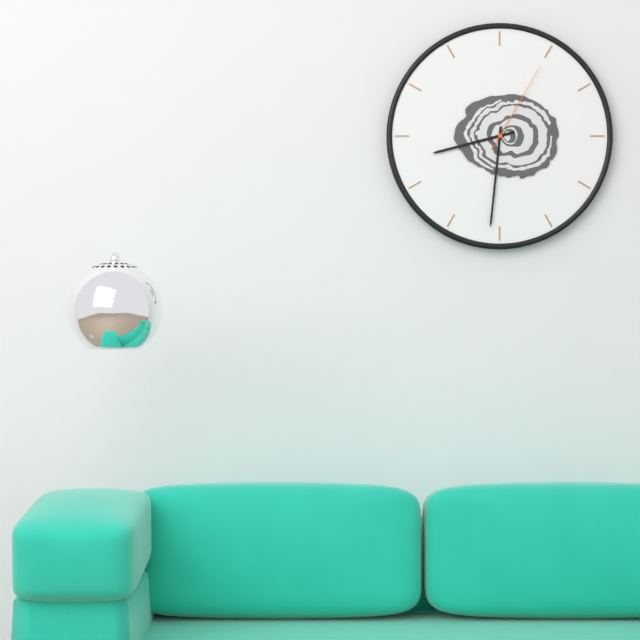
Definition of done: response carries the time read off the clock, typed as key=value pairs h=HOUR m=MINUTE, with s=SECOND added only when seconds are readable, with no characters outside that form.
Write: h=8 m=31 s=5
